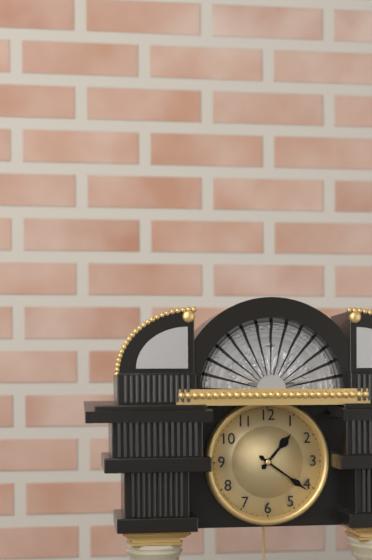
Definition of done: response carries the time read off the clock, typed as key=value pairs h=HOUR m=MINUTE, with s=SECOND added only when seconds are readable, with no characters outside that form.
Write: h=1 m=21
